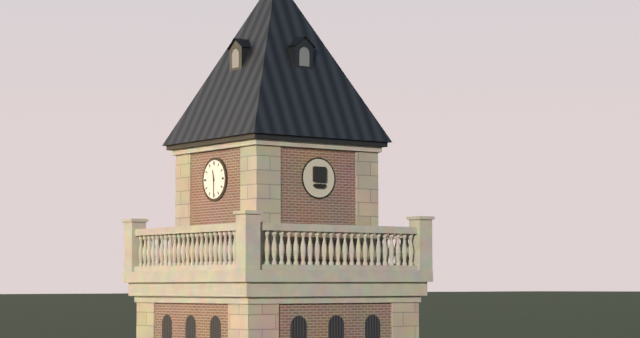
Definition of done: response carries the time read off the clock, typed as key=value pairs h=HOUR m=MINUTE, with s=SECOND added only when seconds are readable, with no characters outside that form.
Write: h=11 m=30
